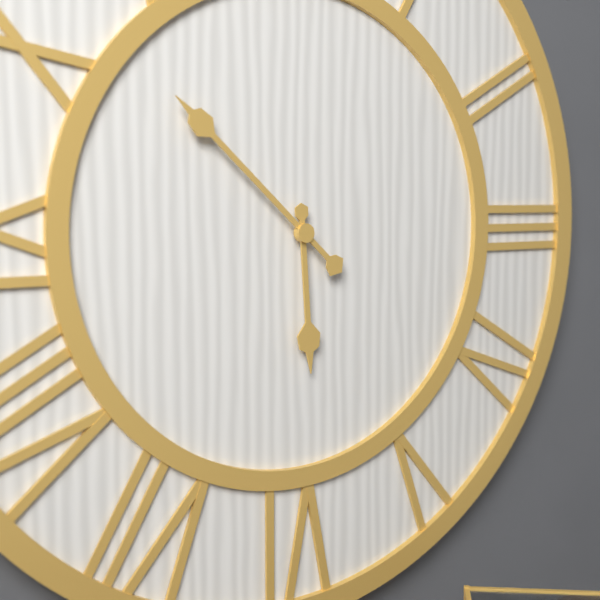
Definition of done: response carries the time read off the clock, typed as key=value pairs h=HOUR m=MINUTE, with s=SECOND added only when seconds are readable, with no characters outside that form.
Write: h=5 m=52
